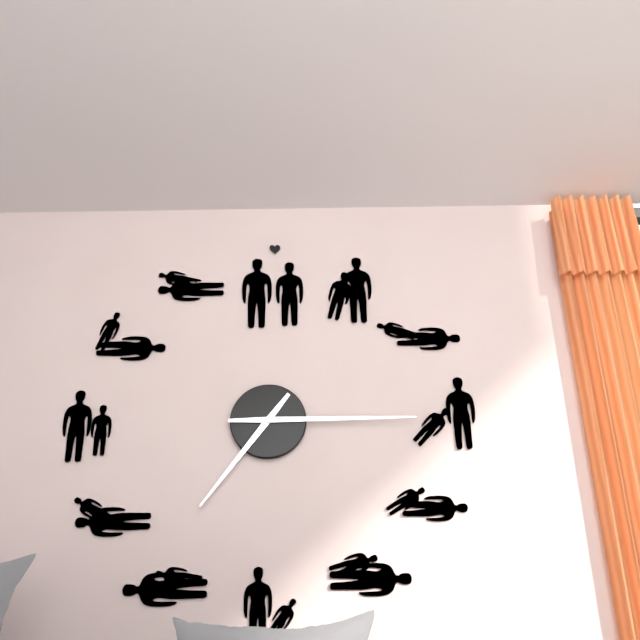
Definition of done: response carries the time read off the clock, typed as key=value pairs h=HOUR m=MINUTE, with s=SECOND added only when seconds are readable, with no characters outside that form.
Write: h=7 m=15
